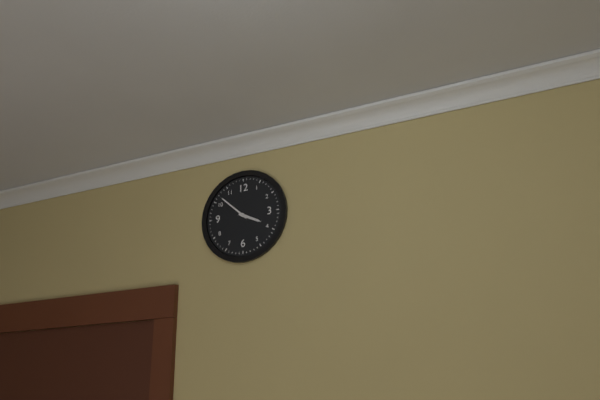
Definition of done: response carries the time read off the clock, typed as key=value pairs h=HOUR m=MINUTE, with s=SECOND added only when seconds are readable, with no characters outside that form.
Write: h=3 m=52
